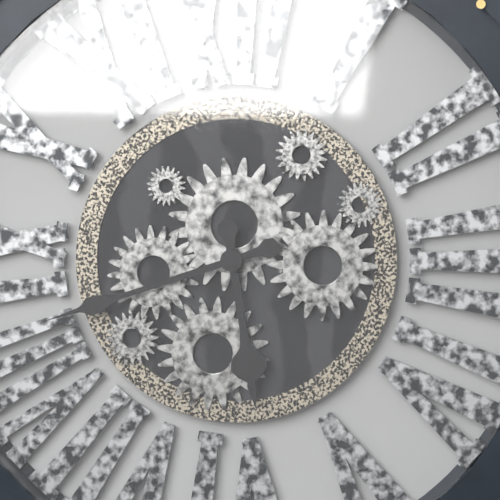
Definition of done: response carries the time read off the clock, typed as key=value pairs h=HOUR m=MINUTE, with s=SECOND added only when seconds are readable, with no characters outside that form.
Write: h=5 m=42
